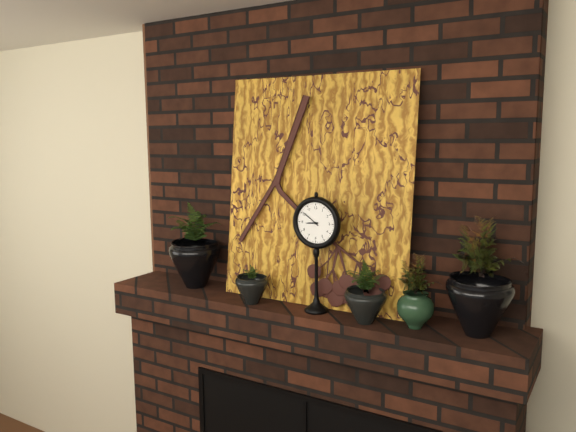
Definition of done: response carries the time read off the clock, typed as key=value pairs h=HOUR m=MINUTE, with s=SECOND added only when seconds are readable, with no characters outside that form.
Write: h=8 m=51
